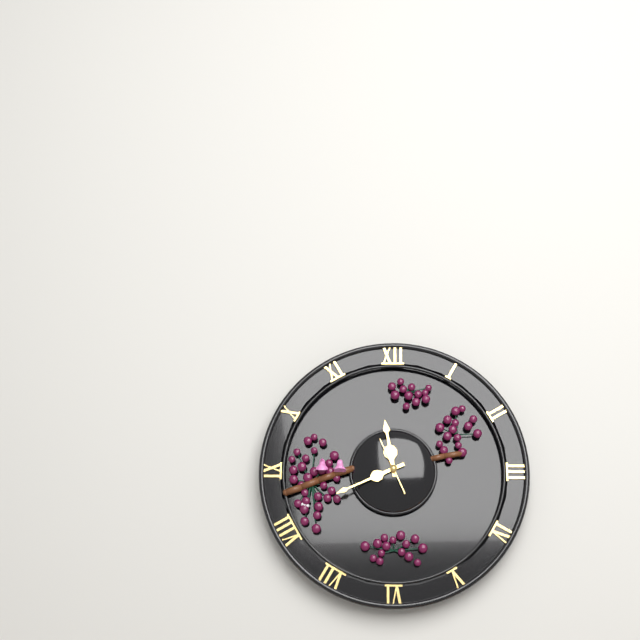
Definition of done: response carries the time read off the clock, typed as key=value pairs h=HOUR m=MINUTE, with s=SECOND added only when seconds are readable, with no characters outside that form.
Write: h=11 m=41
